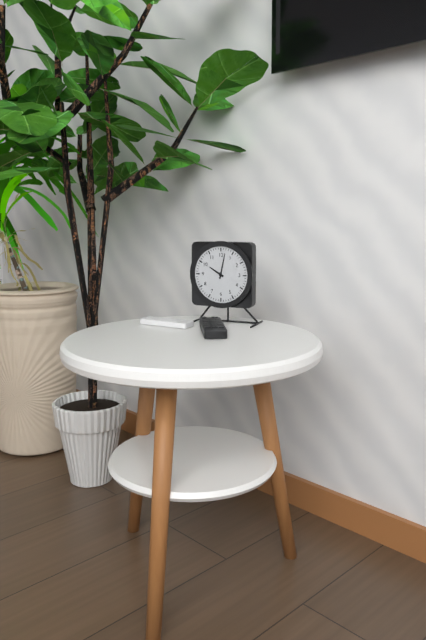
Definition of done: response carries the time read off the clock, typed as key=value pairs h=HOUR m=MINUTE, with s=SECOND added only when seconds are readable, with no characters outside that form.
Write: h=10 m=2
